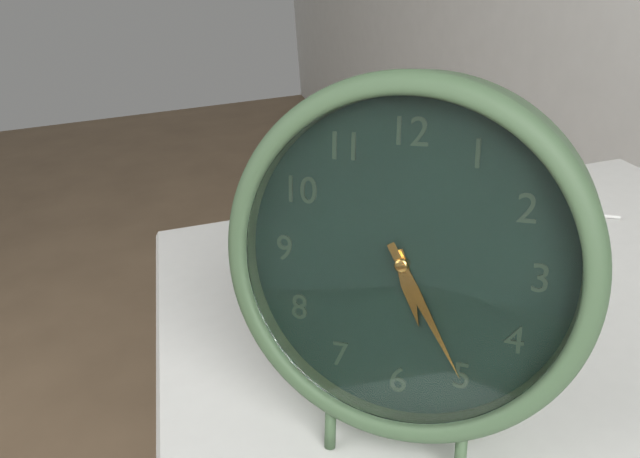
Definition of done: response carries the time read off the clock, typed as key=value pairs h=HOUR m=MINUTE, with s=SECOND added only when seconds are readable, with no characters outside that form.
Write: h=5 m=25
